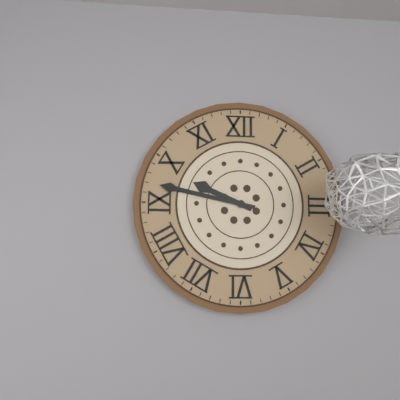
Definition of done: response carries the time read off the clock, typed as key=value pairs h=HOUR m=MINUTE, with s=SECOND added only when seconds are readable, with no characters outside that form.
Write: h=9 m=47
